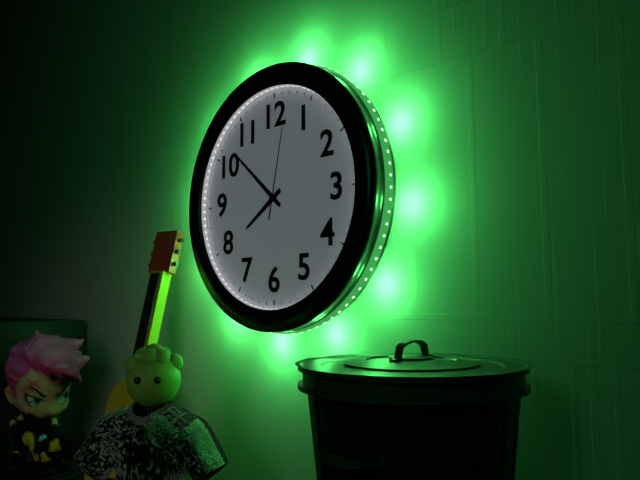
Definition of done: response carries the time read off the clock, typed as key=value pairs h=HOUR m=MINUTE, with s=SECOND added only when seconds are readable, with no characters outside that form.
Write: h=7 m=52 s=2
